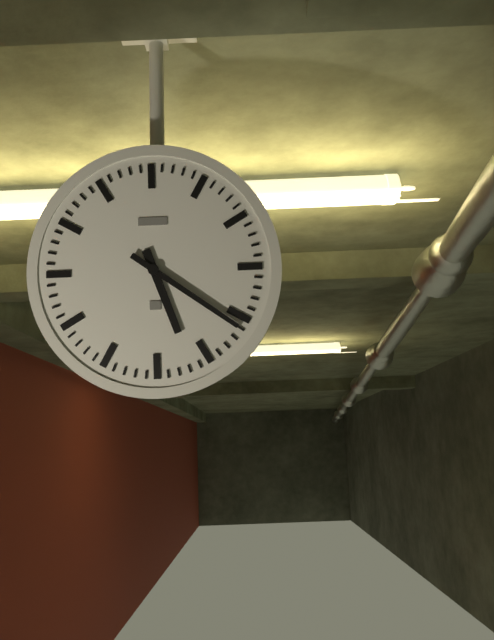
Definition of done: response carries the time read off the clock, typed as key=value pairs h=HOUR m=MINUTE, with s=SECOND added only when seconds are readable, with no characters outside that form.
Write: h=5 m=21
